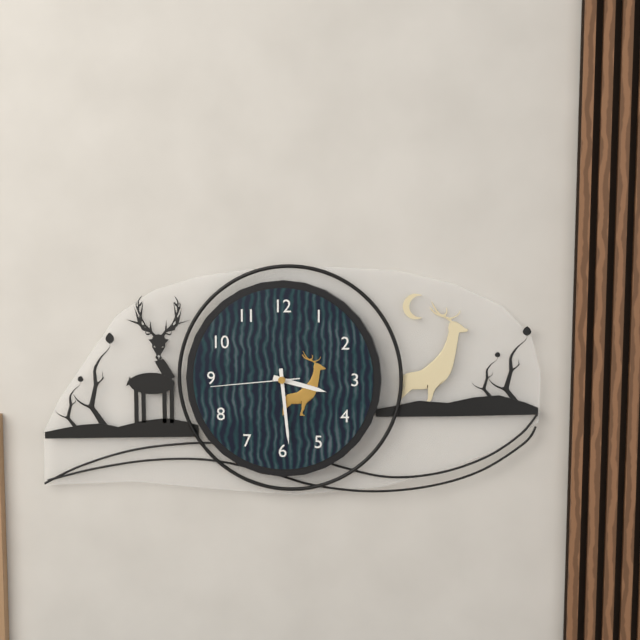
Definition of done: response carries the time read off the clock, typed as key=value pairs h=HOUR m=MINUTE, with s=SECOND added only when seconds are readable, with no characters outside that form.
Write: h=3 m=29 s=44
